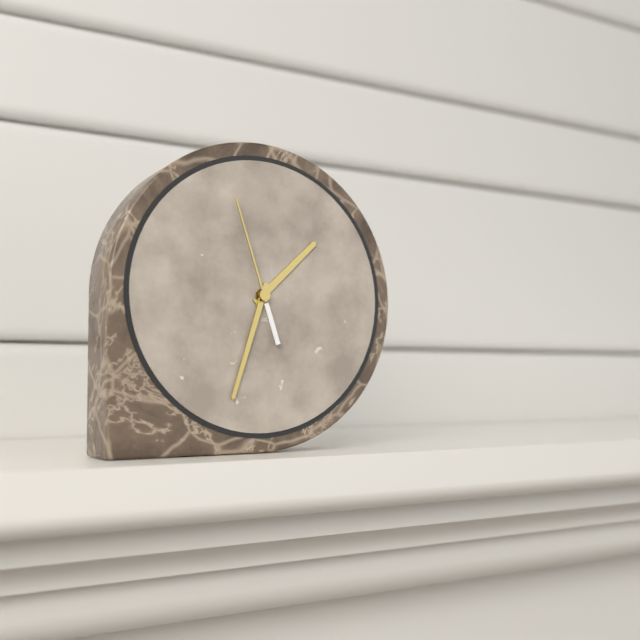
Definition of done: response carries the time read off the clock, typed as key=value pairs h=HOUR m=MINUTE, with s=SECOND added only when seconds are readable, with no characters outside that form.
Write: h=1 m=33 s=57
